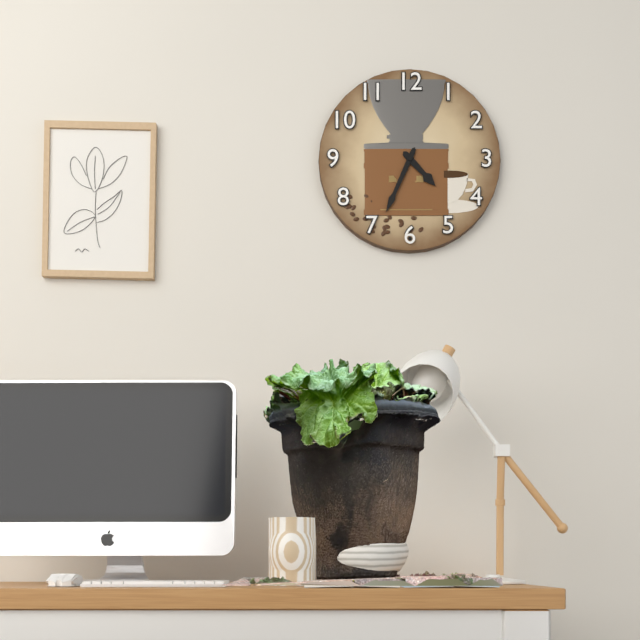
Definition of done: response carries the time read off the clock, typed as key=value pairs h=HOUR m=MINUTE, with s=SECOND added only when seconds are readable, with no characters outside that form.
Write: h=4 m=34
